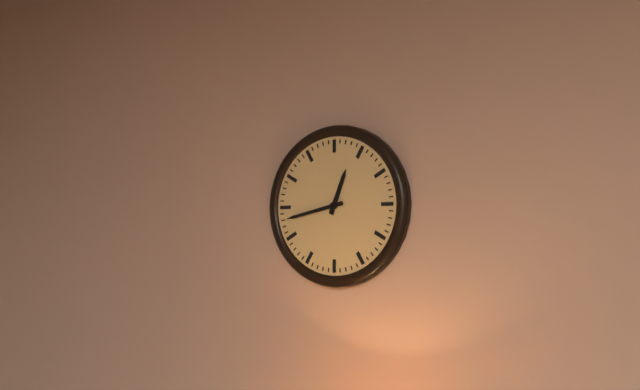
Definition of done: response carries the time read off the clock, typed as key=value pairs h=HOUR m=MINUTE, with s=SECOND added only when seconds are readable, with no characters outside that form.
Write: h=12 m=43
